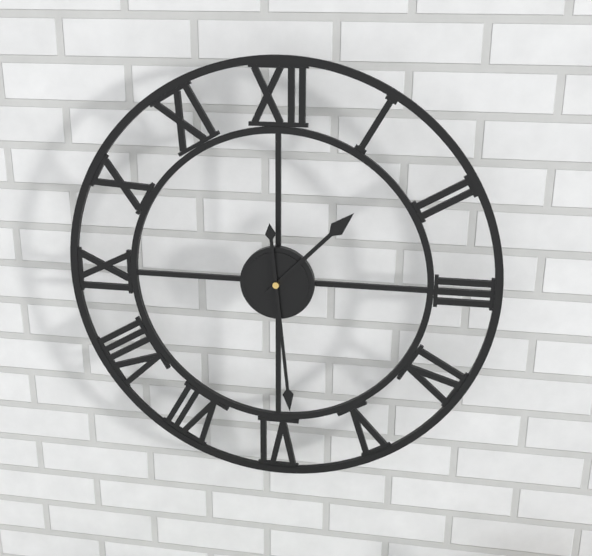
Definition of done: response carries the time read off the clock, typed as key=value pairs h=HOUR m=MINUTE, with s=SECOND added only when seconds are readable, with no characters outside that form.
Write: h=1 m=29
